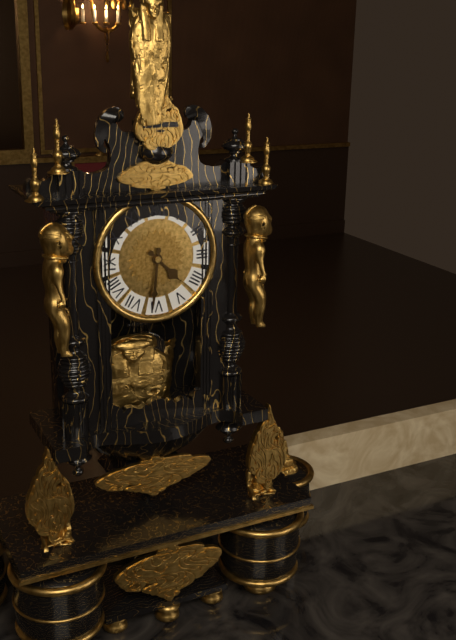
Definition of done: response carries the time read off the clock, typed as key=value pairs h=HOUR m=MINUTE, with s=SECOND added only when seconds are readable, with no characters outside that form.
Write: h=4 m=31
